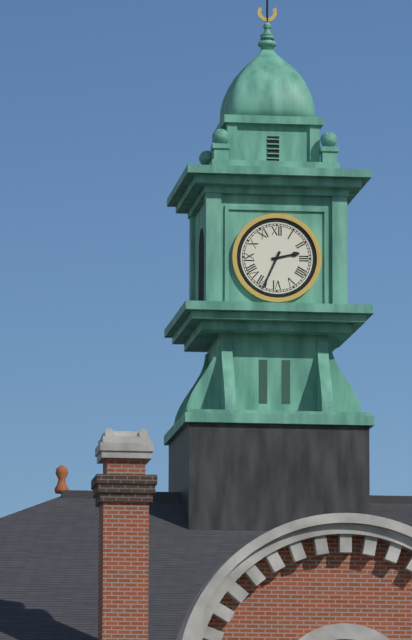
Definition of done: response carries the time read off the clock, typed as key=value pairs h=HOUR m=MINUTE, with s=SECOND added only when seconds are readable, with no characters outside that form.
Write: h=2 m=34
